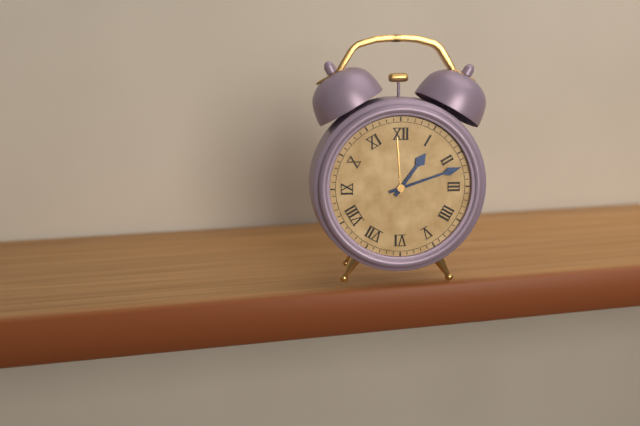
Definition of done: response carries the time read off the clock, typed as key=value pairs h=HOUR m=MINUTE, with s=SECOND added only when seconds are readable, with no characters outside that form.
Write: h=1 m=12
